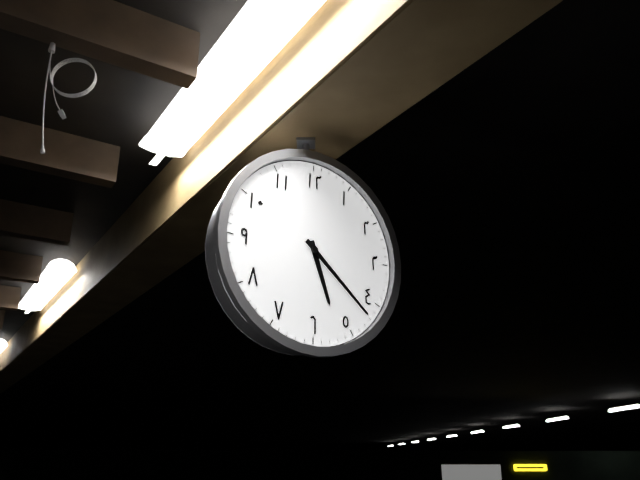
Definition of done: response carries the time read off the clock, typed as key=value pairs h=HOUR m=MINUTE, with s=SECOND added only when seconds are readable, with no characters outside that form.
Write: h=5 m=22
